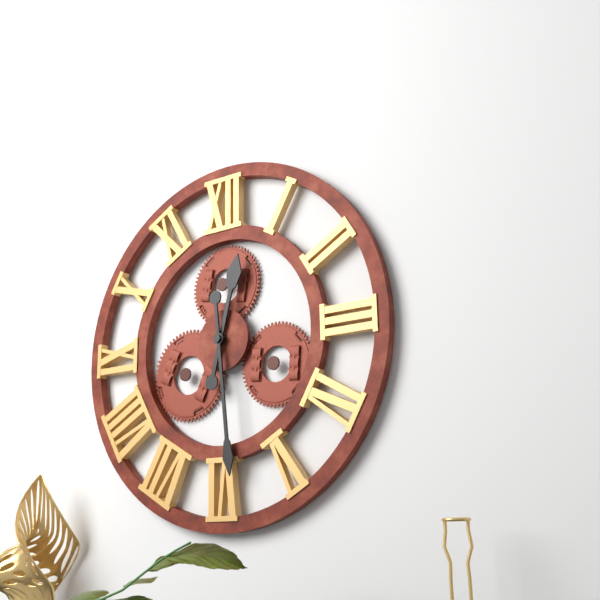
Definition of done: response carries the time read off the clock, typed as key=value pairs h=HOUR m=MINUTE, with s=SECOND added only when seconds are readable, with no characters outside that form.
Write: h=12 m=29
